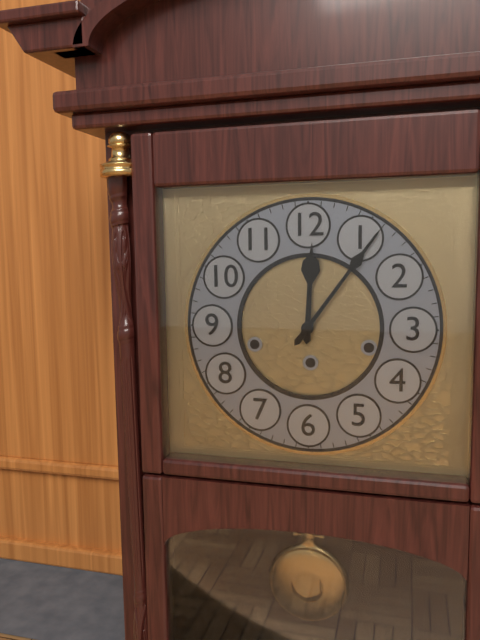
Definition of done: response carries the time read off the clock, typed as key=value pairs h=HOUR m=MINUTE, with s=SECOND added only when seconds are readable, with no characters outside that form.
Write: h=12 m=6
